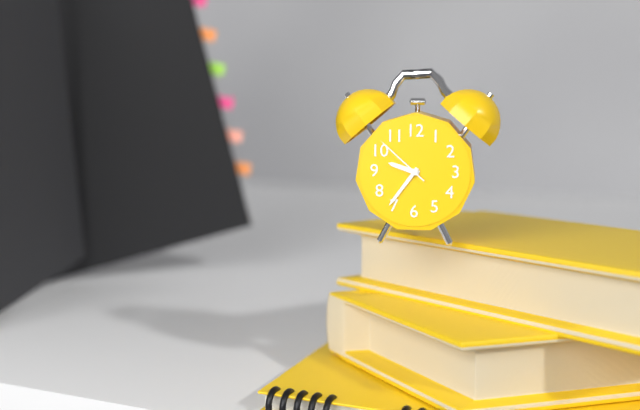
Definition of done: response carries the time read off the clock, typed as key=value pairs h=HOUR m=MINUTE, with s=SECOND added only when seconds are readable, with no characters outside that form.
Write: h=9 m=36 s=52
